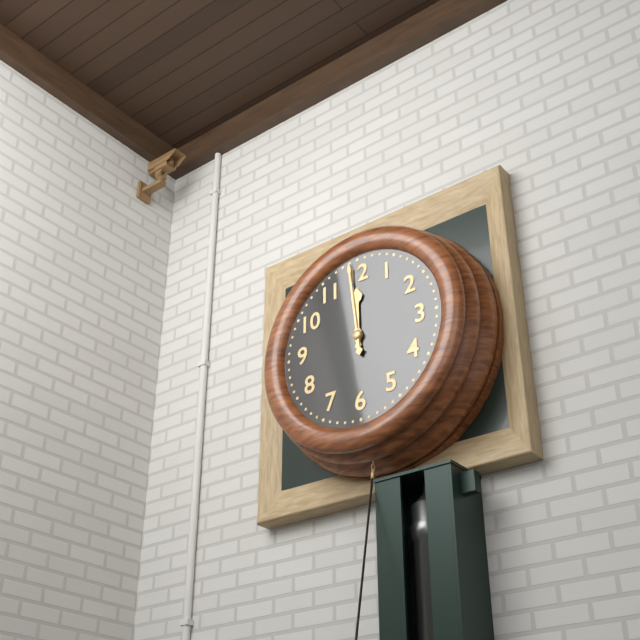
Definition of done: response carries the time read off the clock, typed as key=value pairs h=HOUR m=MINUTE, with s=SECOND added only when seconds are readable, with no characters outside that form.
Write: h=11 m=59
